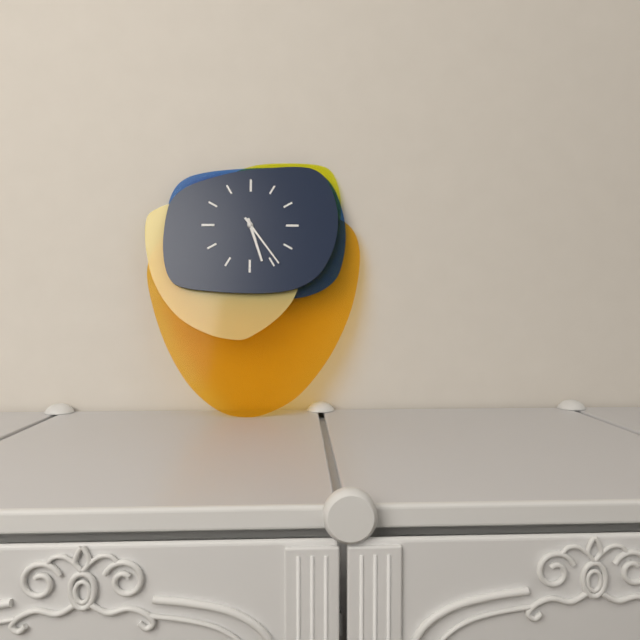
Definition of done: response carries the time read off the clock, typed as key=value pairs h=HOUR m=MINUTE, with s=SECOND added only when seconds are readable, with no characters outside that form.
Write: h=5 m=24
